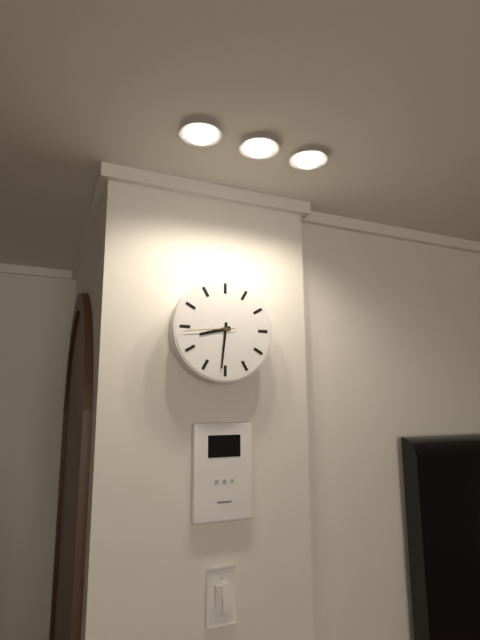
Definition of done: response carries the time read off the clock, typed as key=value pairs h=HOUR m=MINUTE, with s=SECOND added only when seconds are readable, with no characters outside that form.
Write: h=8 m=31 s=44
